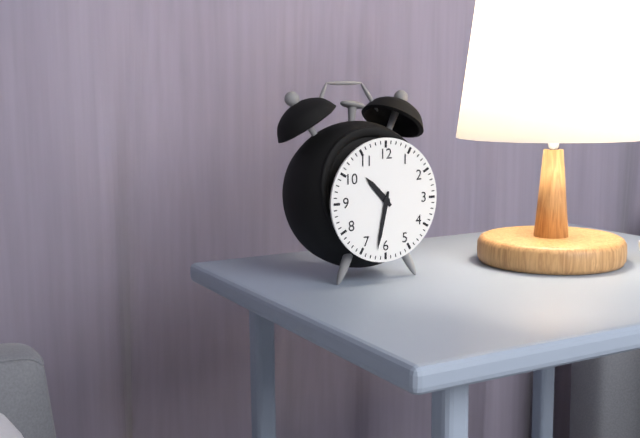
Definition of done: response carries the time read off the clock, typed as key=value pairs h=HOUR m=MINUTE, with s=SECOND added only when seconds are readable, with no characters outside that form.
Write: h=10 m=32
